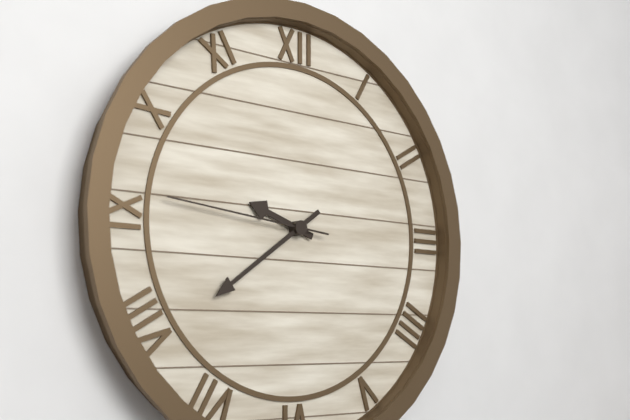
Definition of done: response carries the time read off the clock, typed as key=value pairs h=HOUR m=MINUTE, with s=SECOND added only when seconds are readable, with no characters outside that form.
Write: h=9 m=39 s=46
